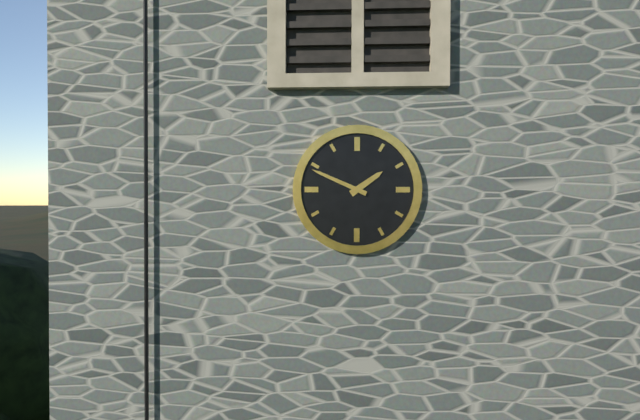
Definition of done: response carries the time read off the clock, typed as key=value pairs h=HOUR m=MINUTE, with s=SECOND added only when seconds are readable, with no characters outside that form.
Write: h=1 m=49
